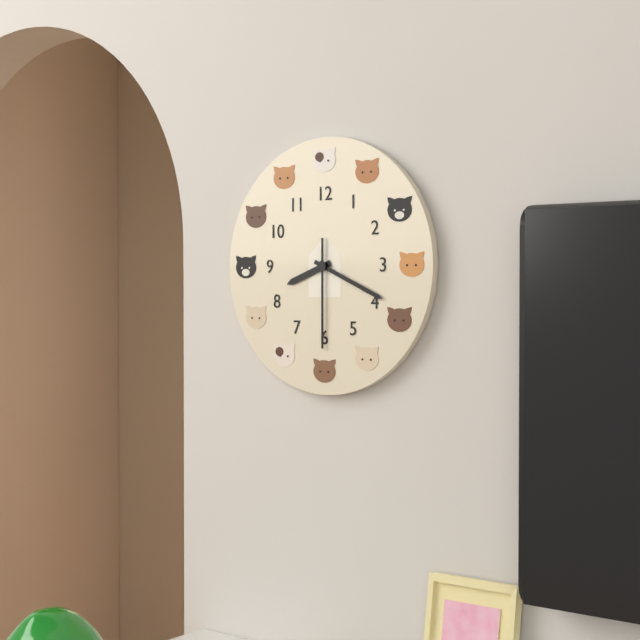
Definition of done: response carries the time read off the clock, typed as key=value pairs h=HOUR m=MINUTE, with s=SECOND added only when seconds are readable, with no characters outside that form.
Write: h=8 m=19 s=30
